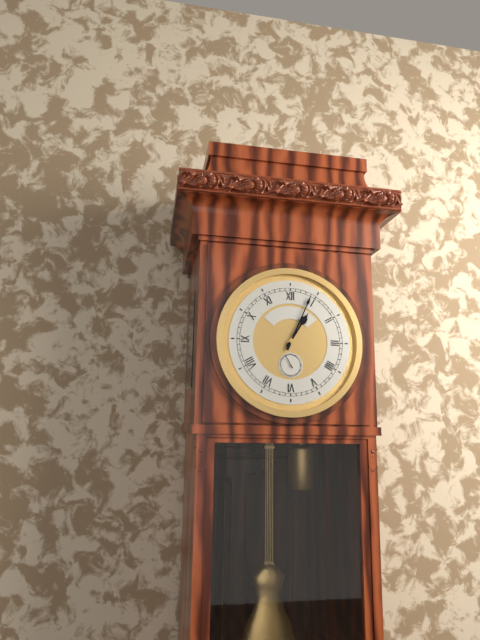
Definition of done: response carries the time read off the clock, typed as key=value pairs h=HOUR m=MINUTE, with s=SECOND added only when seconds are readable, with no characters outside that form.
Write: h=1 m=4
